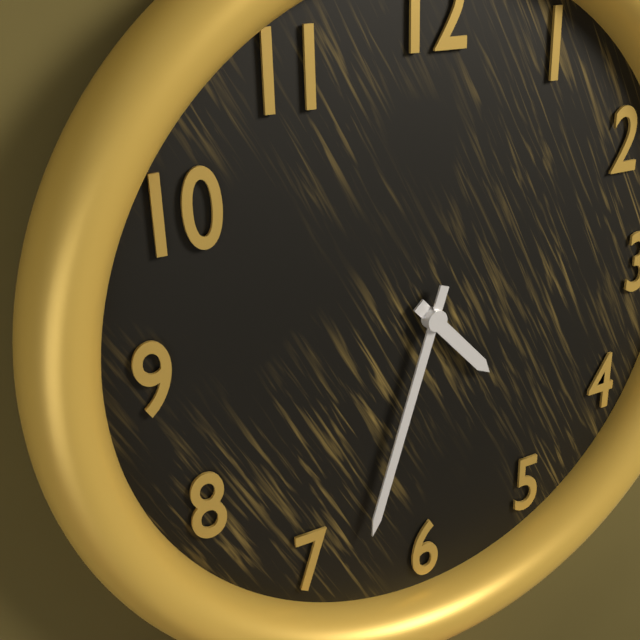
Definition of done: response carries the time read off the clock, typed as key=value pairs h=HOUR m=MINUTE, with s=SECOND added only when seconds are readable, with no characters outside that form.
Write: h=4 m=33
